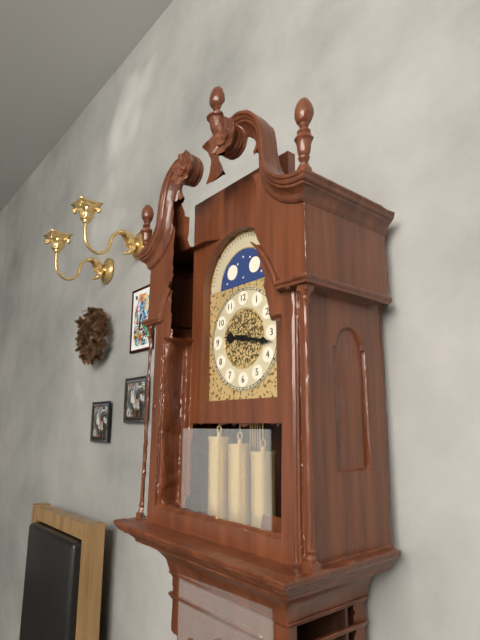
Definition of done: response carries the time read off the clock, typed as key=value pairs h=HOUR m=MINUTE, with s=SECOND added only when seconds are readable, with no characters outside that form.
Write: h=9 m=17
